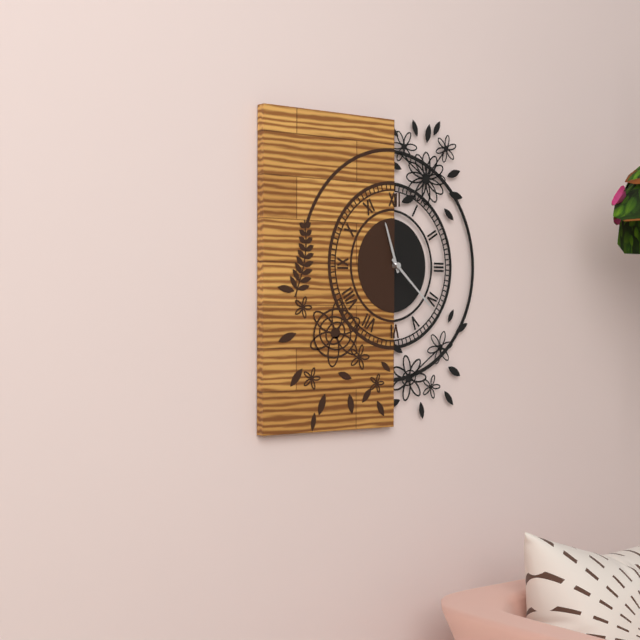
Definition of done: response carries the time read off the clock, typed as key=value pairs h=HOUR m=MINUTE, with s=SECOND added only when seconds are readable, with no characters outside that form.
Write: h=11 m=22
